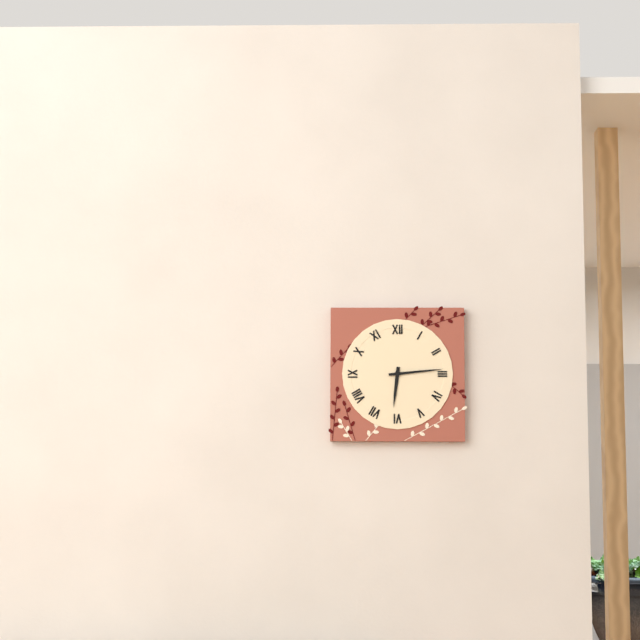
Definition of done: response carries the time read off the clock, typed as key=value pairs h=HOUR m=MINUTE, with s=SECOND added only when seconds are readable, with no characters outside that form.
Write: h=6 m=14
